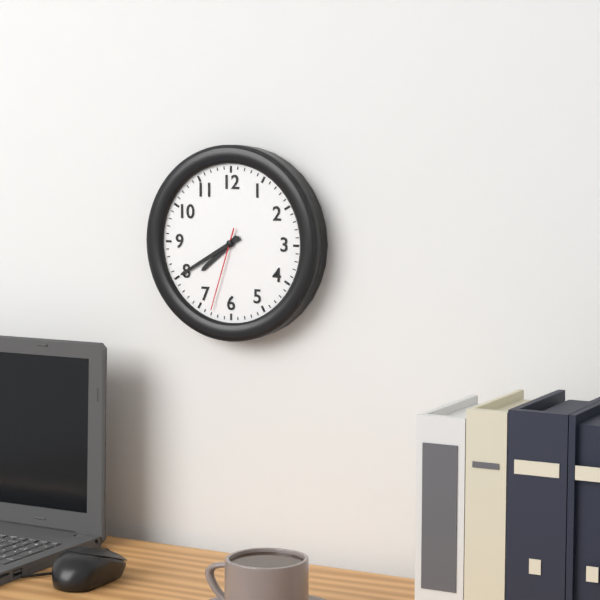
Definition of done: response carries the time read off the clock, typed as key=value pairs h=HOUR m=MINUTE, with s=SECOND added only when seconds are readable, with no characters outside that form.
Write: h=7 m=40 s=33
